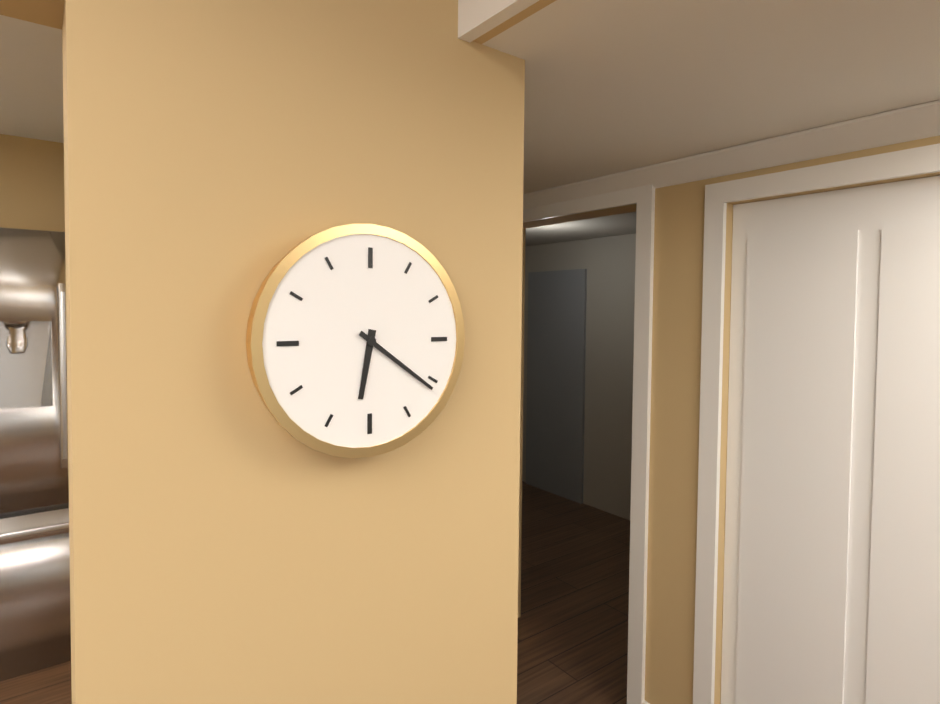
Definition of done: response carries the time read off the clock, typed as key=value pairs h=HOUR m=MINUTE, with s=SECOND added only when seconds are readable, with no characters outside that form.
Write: h=6 m=21
